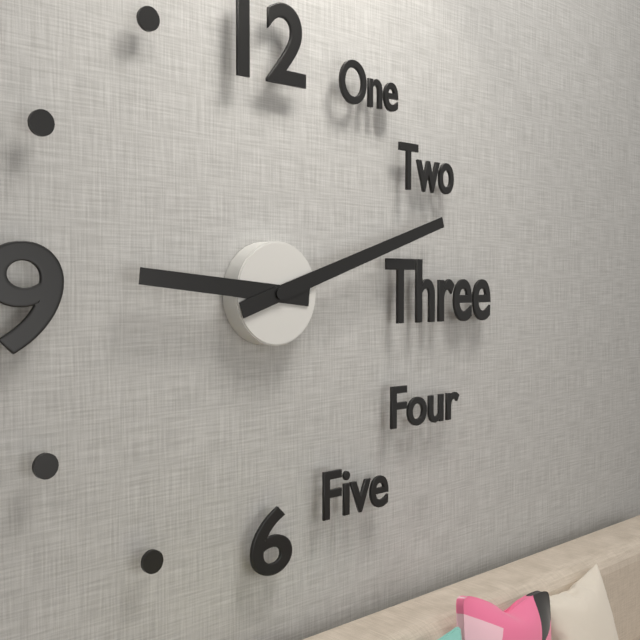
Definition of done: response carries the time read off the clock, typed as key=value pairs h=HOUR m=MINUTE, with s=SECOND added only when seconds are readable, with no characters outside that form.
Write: h=9 m=12
